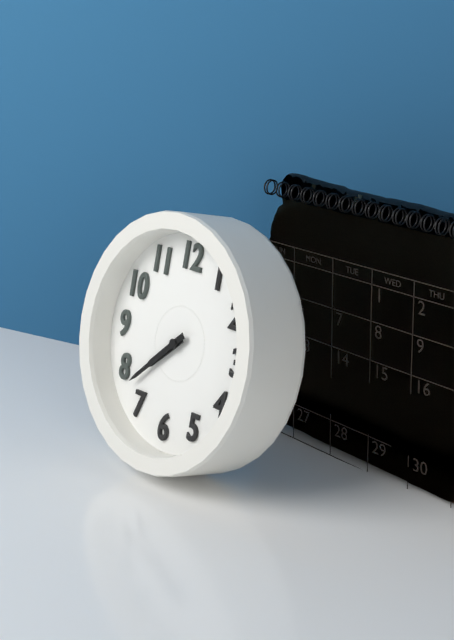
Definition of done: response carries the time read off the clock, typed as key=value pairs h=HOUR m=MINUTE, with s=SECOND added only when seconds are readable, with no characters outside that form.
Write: h=7 m=38
